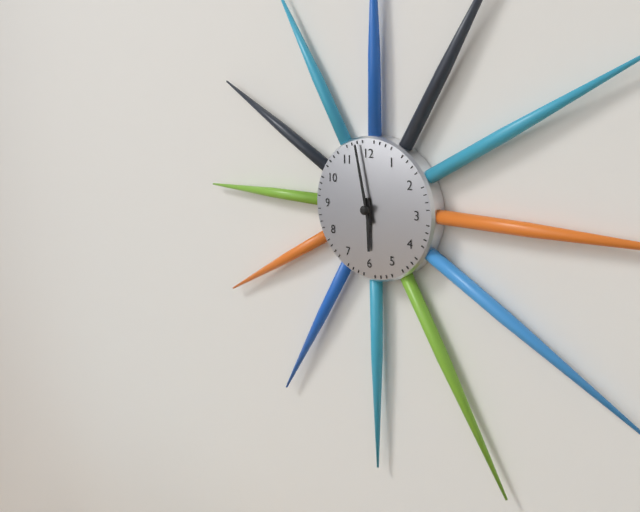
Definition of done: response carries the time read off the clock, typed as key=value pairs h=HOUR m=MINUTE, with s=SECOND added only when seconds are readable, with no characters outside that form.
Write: h=5 m=58
